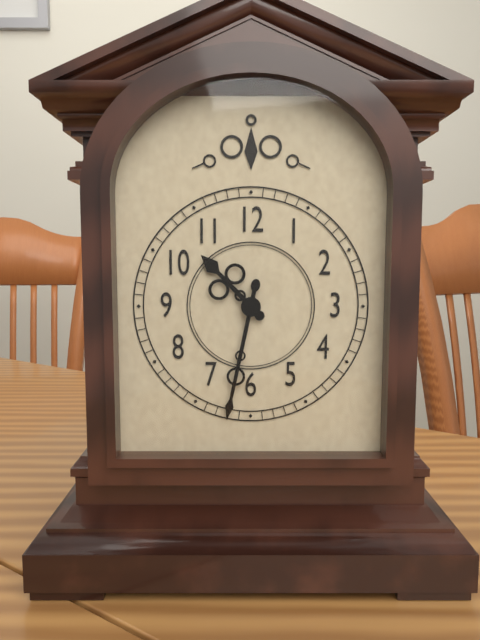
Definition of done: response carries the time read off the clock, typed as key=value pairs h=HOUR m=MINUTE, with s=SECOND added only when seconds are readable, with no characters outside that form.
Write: h=10 m=32
